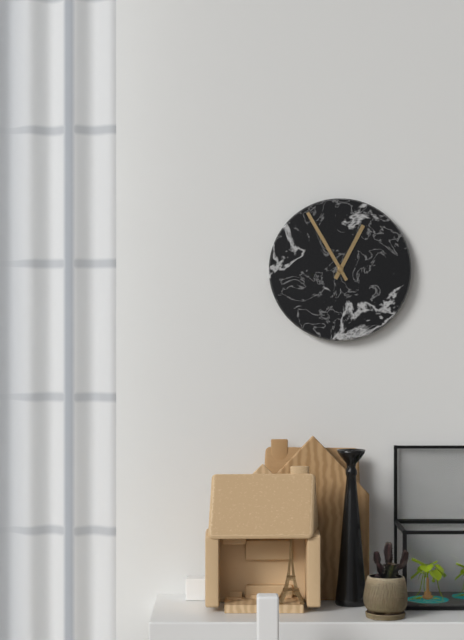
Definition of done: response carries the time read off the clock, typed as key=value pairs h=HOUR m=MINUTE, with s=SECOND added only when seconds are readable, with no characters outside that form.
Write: h=12 m=55
